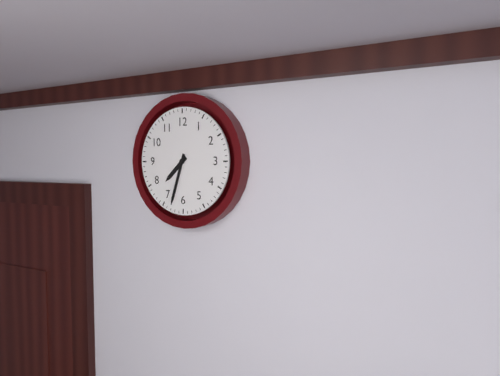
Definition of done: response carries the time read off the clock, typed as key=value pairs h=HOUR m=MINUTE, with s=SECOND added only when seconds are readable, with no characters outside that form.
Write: h=7 m=33
